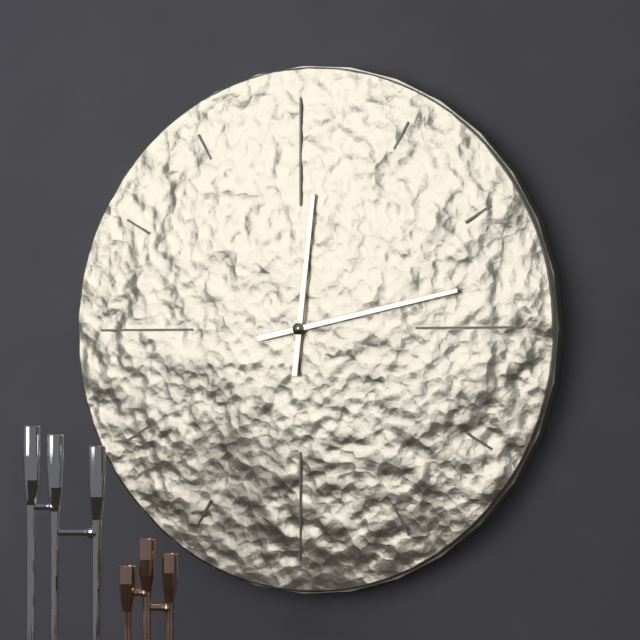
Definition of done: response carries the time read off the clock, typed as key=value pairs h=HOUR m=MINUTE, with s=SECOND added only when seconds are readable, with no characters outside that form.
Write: h=12 m=13
